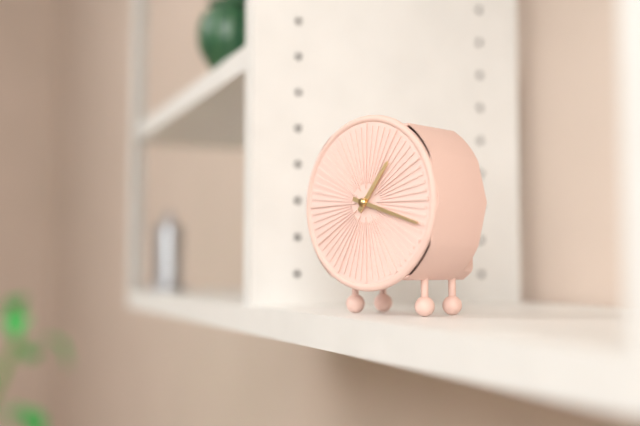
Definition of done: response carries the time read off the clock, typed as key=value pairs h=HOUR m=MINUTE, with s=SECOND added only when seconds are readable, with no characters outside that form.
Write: h=1 m=18
